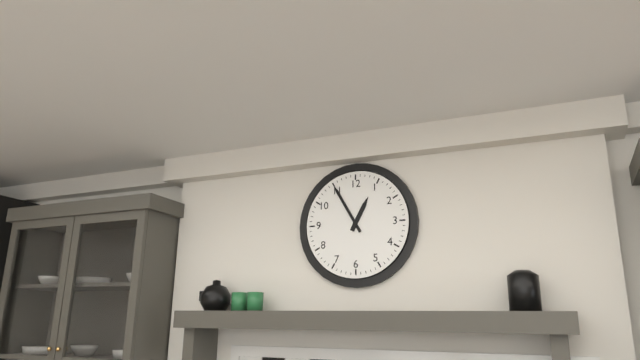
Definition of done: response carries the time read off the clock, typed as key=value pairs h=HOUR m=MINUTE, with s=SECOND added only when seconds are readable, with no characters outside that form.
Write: h=12 m=55
